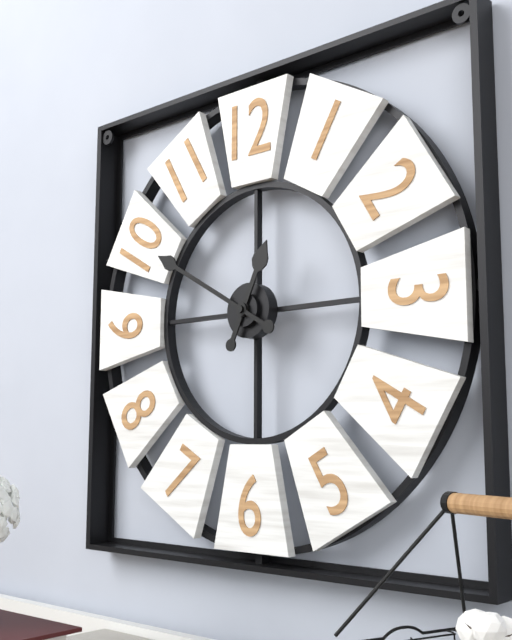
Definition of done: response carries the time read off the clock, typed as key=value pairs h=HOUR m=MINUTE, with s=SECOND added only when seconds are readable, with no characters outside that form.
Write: h=12 m=50
